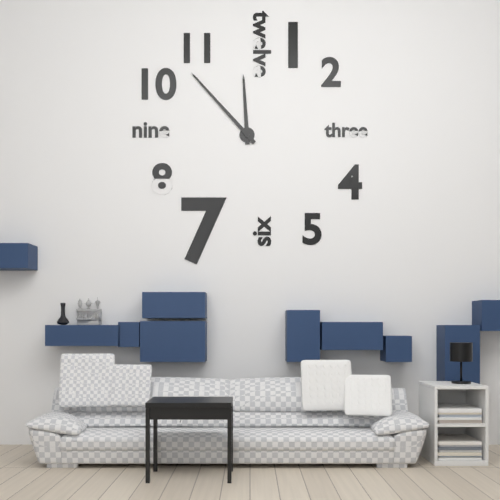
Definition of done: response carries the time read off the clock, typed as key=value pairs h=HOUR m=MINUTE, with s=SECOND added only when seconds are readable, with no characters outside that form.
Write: h=11 m=53
